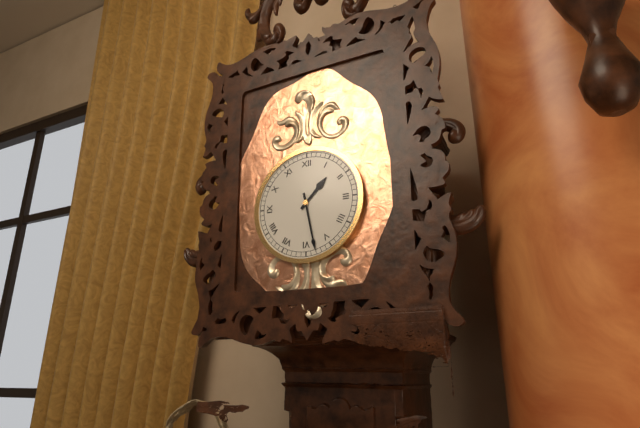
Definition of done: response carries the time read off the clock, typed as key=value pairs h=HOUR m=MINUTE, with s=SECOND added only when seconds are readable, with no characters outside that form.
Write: h=1 m=28
